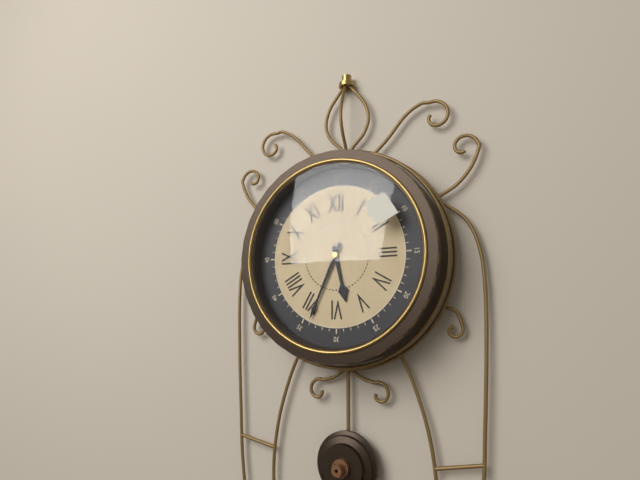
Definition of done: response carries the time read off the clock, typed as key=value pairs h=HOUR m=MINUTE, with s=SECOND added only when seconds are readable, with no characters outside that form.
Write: h=5 m=34
